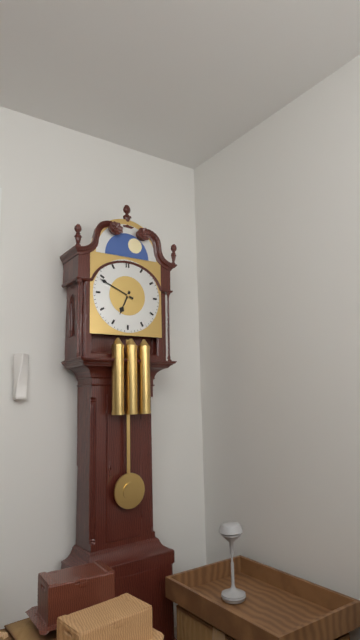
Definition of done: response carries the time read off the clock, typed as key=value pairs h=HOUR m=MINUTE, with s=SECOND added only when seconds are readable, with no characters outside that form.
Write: h=6 m=49
